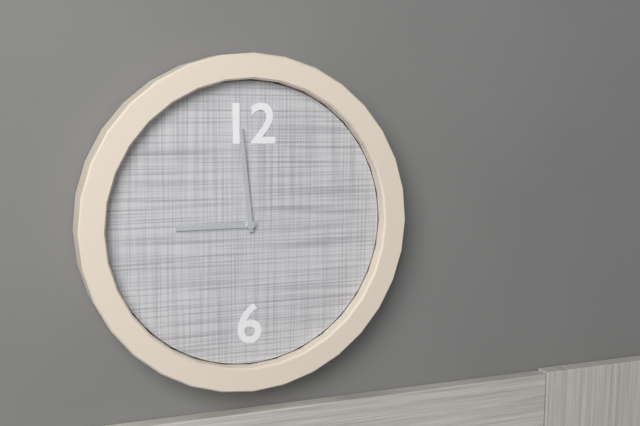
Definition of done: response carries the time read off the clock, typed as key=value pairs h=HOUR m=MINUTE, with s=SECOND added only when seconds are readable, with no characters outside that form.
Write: h=8 m=59
